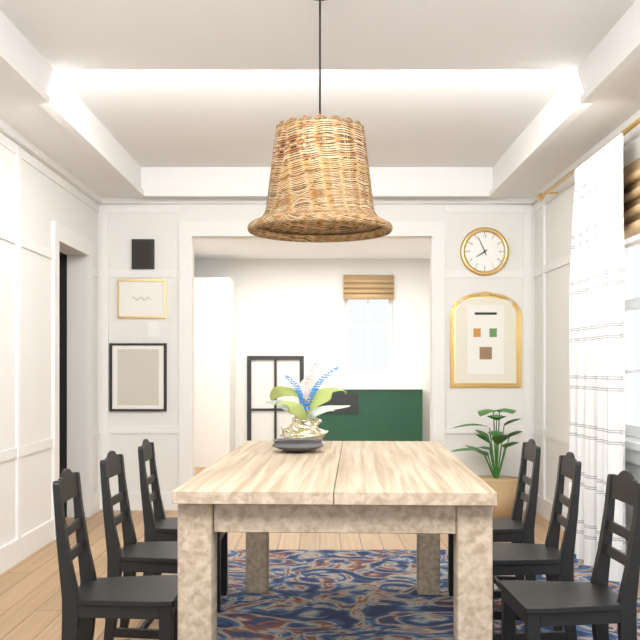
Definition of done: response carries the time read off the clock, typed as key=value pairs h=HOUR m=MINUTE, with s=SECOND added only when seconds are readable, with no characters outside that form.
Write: h=7 m=56
